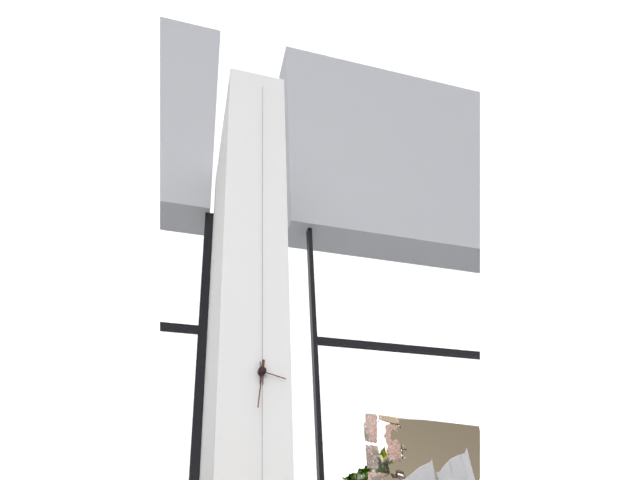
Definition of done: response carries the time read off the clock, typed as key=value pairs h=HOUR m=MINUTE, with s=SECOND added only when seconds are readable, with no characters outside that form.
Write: h=3 m=31
